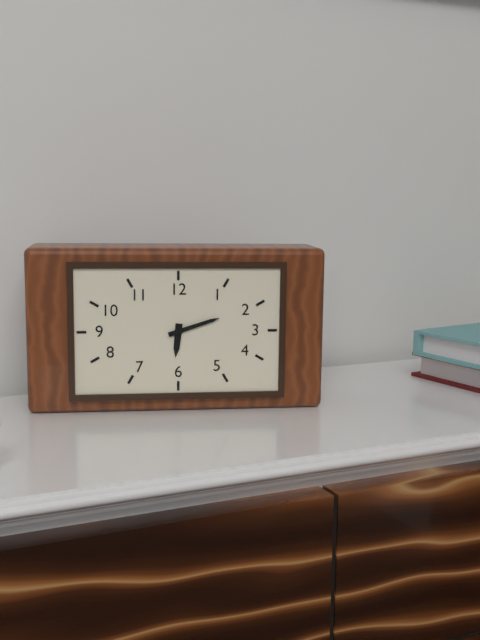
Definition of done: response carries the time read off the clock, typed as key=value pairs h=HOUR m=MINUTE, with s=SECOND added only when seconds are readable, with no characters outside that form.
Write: h=6 m=12
